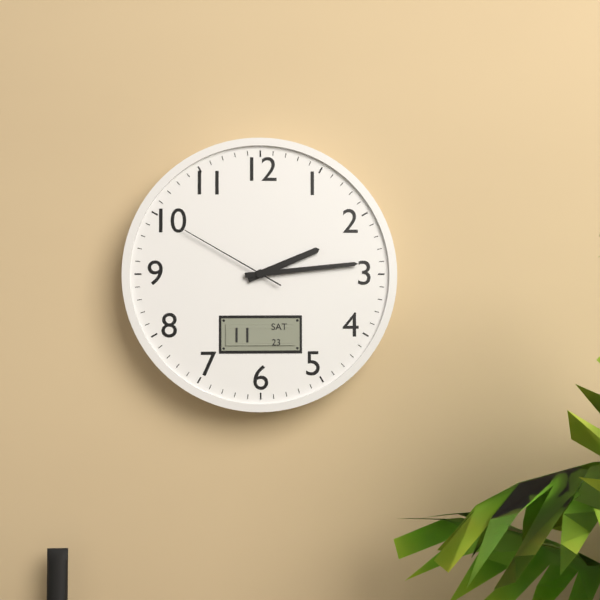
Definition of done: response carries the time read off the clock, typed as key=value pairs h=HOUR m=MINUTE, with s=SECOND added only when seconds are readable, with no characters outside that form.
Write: h=2 m=14 s=50
